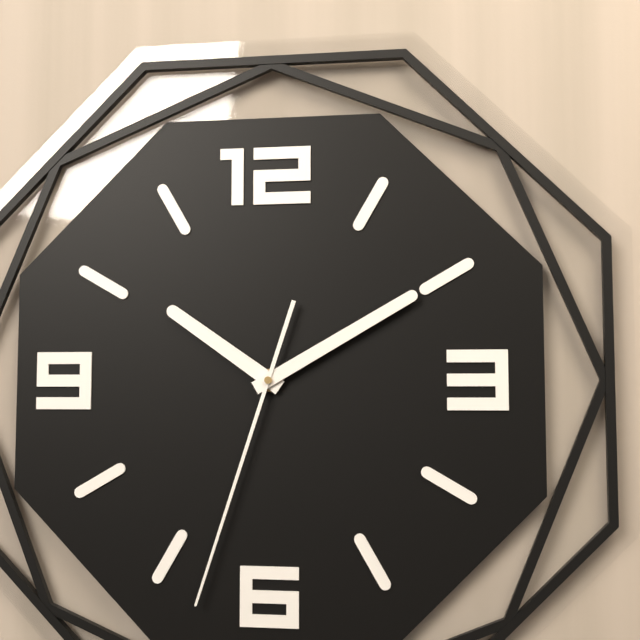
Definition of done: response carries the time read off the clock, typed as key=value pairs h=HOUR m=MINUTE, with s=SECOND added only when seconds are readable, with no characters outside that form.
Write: h=10 m=10 s=33
